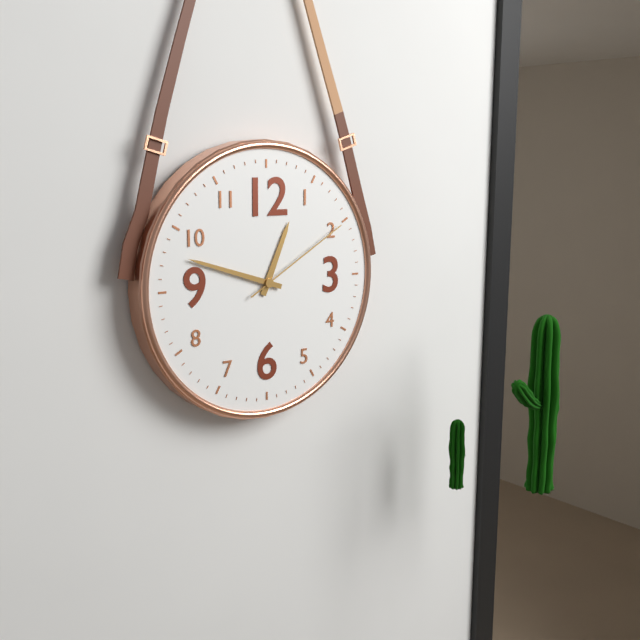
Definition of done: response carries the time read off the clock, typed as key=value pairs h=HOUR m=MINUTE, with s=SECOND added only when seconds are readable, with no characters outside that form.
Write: h=12 m=48 s=10
